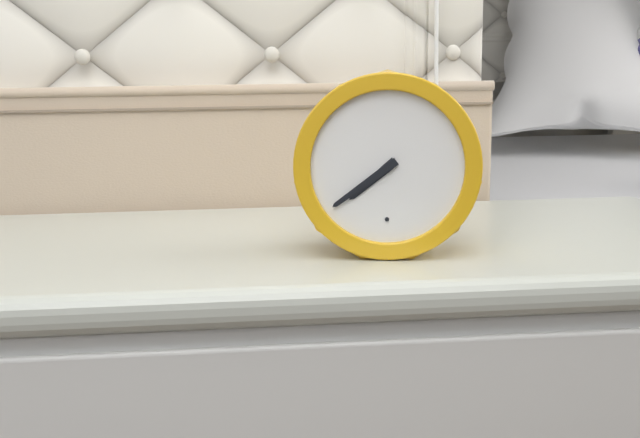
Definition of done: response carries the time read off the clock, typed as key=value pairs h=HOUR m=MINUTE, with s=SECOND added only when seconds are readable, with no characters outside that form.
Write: h=7 m=39
